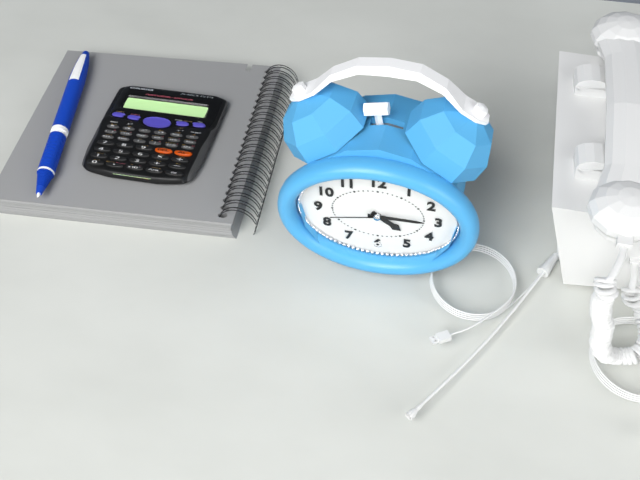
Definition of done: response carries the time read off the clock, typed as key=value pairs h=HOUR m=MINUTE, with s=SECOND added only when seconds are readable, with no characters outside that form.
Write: h=4 m=15 s=43
